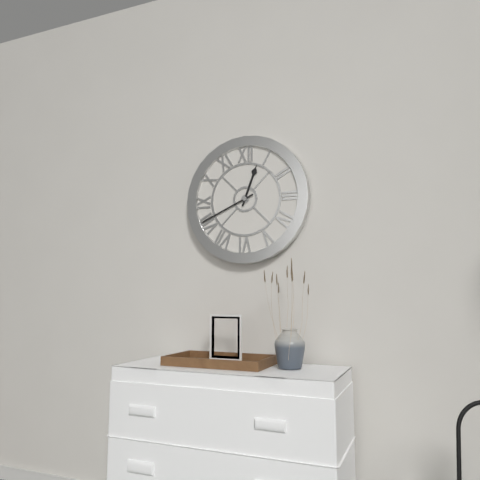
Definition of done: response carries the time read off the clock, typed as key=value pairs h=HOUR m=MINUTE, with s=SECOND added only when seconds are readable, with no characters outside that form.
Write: h=12 m=41
